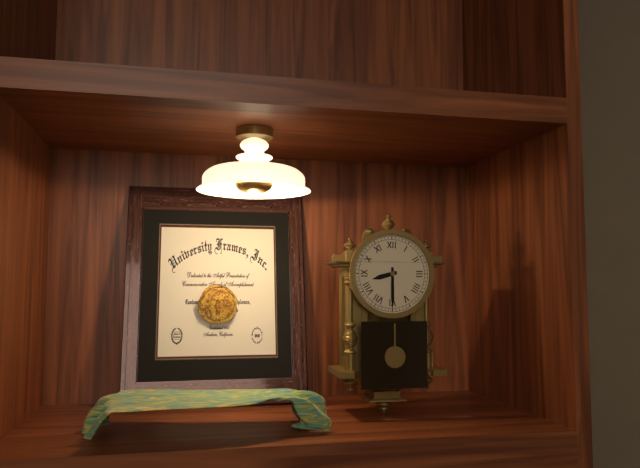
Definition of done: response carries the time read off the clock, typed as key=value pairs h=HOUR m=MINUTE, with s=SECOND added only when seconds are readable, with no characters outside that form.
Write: h=8 m=30
